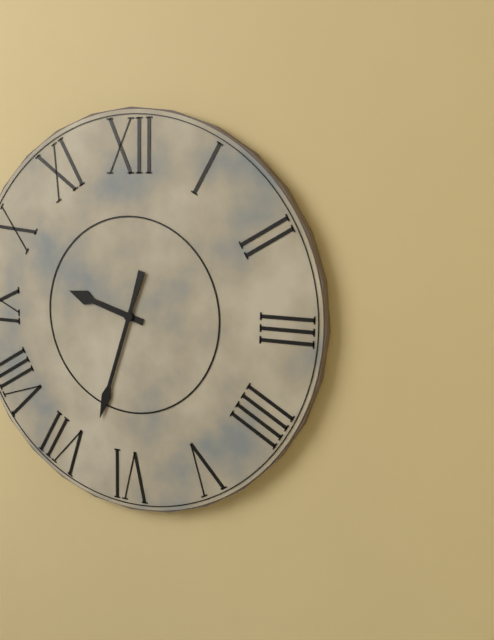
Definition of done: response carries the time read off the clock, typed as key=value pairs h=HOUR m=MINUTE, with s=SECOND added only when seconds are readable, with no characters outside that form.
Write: h=9 m=33
